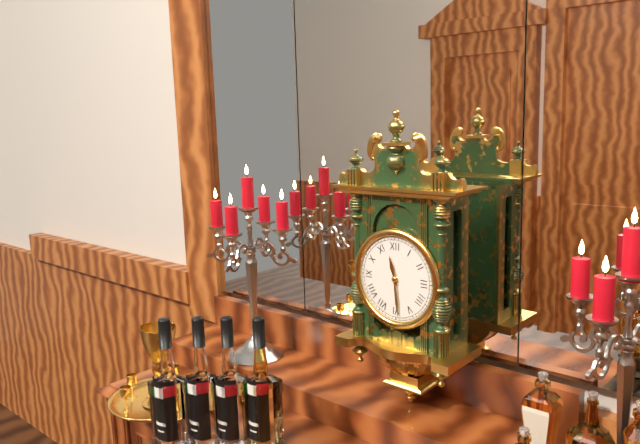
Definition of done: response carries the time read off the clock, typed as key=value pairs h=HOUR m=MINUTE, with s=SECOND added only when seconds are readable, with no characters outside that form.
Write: h=11 m=29
